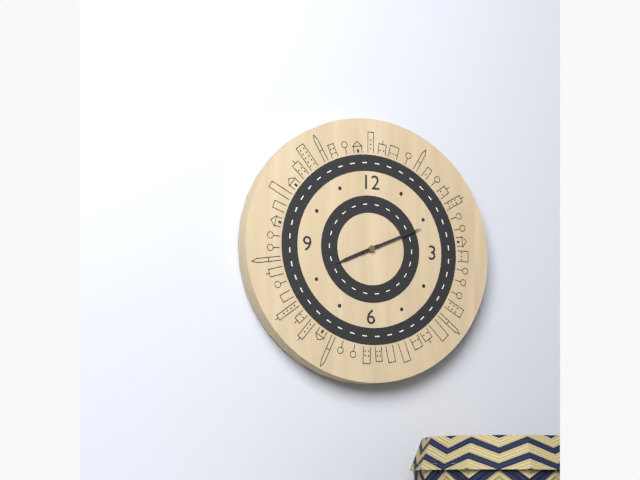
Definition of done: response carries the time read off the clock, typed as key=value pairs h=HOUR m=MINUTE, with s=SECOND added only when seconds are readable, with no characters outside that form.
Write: h=8 m=11
